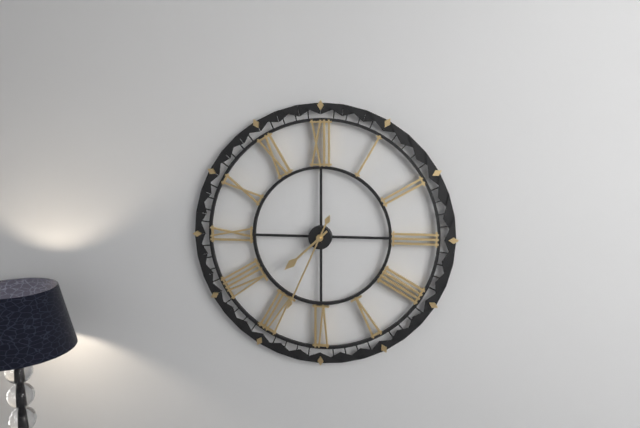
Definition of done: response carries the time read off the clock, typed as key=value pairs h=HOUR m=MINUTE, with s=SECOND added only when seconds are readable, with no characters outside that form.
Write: h=7 m=34
